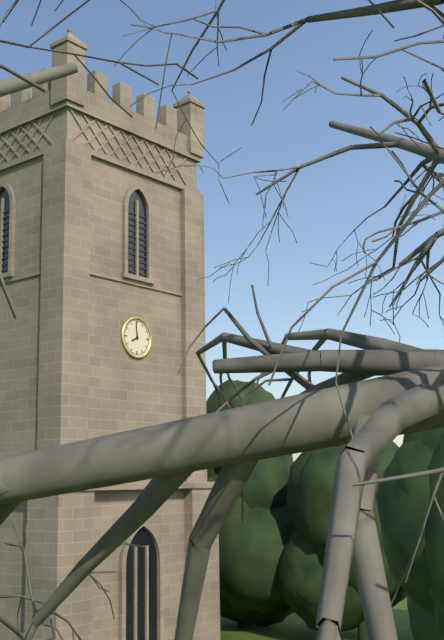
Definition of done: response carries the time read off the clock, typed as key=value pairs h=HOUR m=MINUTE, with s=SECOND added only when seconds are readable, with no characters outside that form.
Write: h=7 m=59
